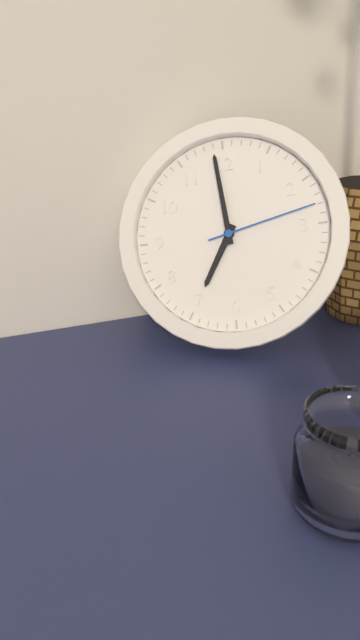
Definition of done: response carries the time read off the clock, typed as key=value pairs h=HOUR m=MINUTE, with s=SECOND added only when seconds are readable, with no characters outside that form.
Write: h=6 m=59 s=13
